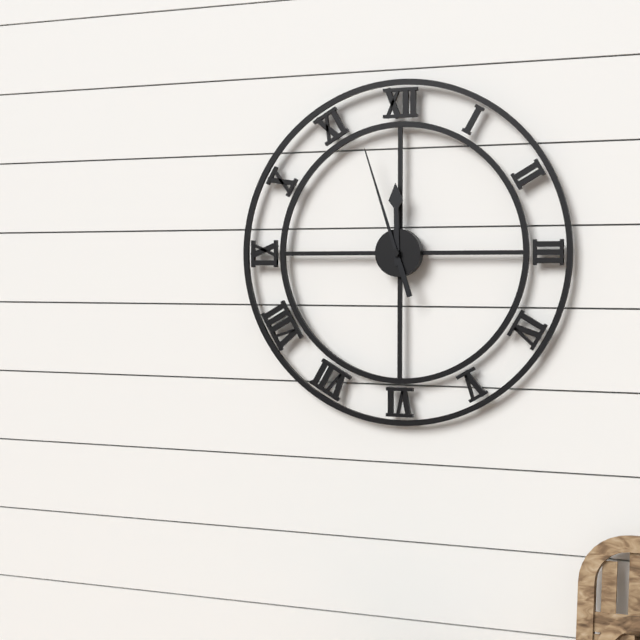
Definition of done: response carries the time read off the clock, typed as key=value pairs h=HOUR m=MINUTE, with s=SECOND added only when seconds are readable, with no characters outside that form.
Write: h=11 m=57
